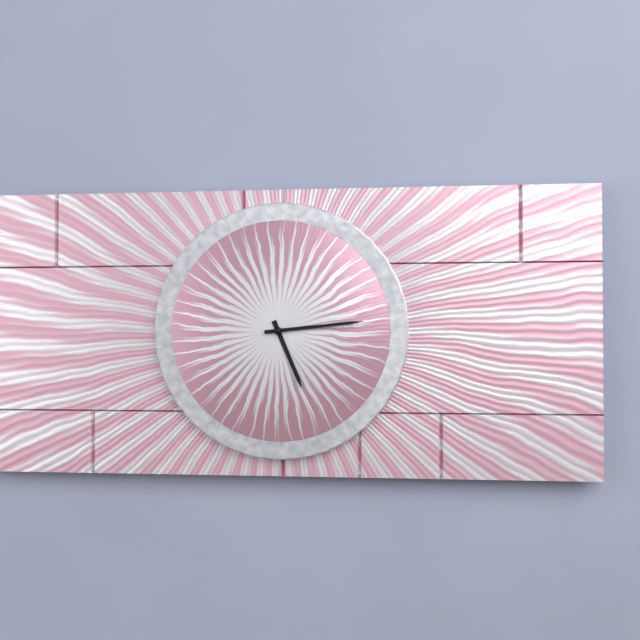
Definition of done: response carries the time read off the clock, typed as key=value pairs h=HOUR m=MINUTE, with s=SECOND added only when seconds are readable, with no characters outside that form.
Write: h=5 m=14
